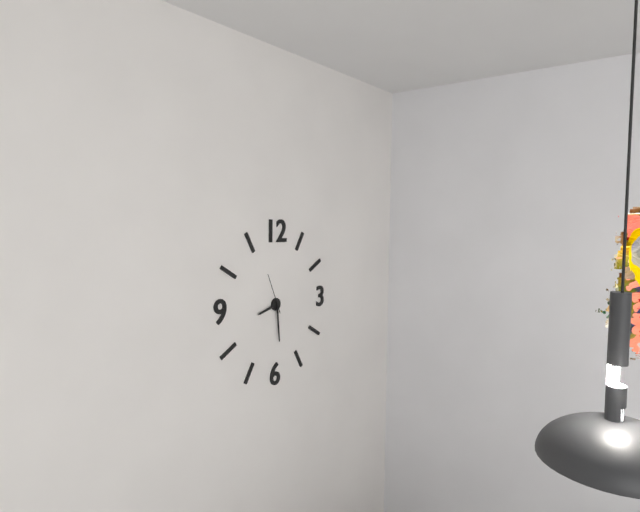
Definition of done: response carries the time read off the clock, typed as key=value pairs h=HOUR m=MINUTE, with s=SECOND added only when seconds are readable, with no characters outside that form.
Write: h=8 m=29
